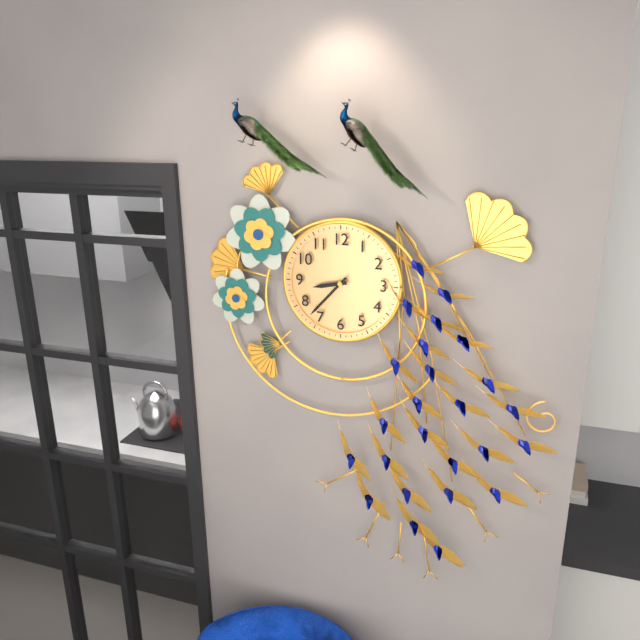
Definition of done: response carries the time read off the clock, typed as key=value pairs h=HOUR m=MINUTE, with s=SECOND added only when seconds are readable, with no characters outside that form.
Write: h=8 m=37
